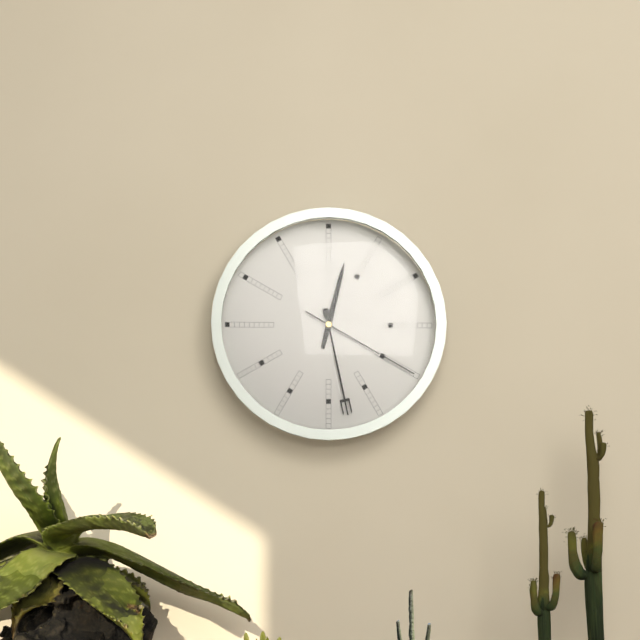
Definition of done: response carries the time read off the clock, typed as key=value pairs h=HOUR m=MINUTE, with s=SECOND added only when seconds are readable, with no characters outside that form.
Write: h=12 m=28 s=20
